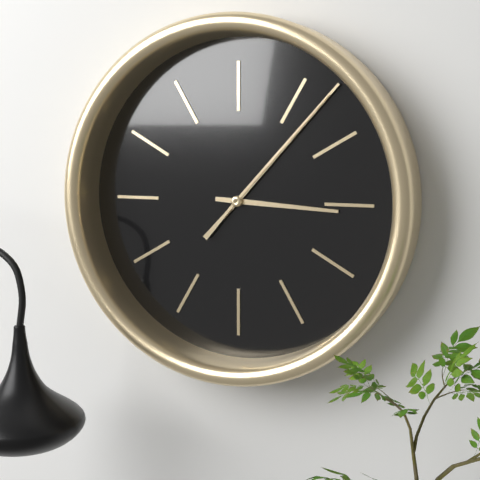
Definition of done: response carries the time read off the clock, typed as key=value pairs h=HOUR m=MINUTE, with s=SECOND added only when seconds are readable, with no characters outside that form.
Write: h=3 m=7 s=7
